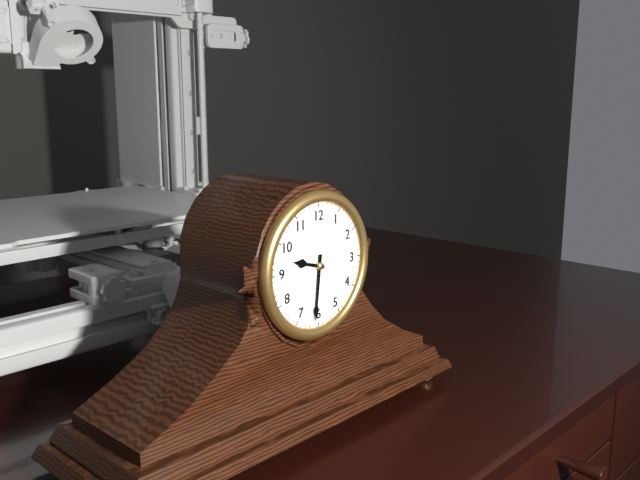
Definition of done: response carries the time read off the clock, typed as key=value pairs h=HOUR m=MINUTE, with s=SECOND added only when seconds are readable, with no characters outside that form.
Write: h=9 m=31
